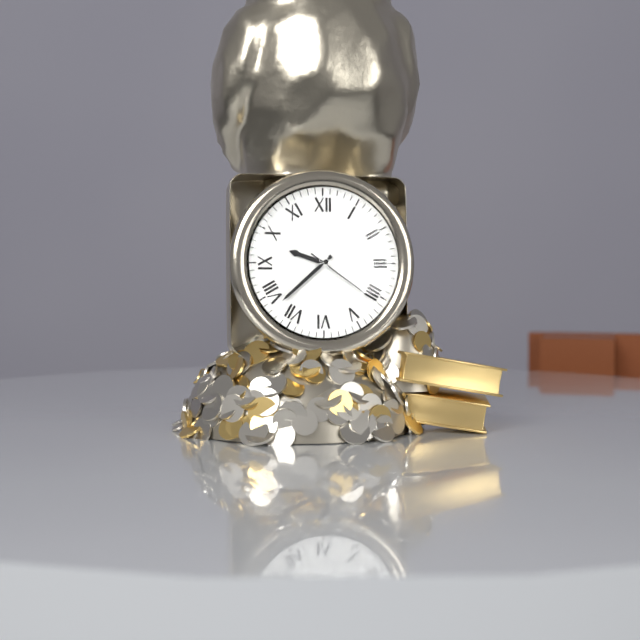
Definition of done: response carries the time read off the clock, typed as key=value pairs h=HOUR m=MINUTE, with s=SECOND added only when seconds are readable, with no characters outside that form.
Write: h=9 m=38 s=21
